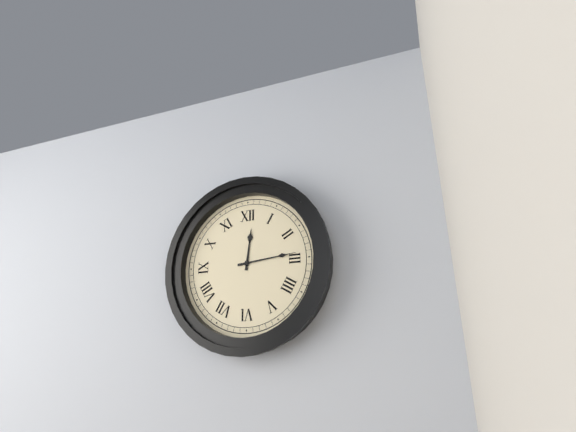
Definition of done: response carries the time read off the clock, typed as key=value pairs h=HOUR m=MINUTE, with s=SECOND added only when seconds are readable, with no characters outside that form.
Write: h=12 m=14
